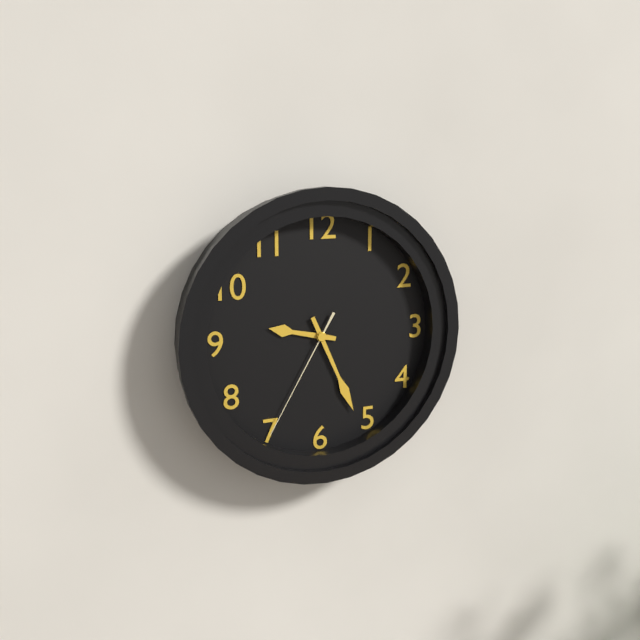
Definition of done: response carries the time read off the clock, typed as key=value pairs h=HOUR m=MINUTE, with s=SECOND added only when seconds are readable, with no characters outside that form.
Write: h=9 m=26 s=35
